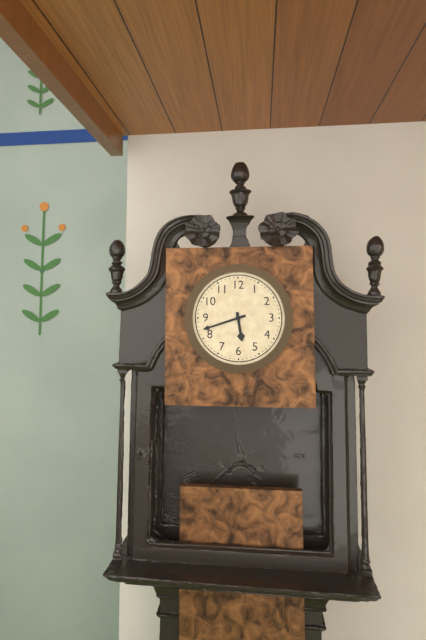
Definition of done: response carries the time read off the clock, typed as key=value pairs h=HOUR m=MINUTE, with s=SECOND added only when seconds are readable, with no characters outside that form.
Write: h=5 m=42
